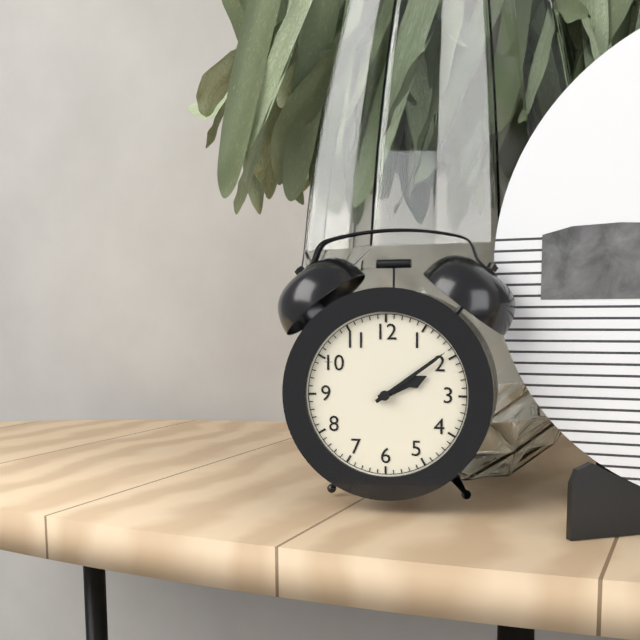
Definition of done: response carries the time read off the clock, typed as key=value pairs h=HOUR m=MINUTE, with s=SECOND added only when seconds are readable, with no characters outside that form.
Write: h=2 m=9
